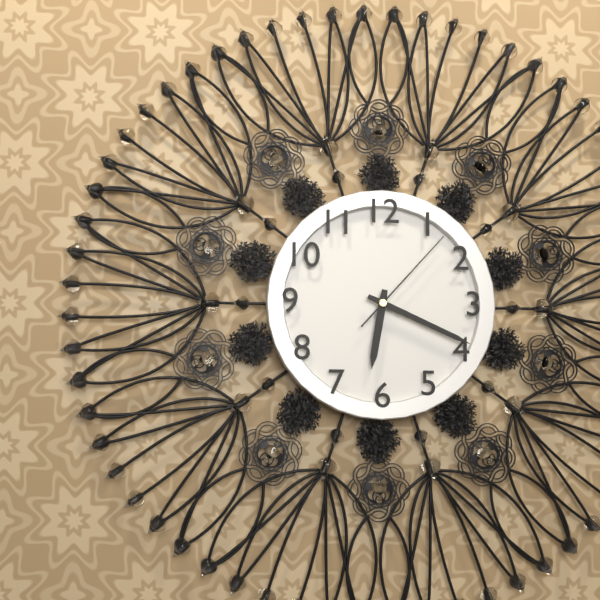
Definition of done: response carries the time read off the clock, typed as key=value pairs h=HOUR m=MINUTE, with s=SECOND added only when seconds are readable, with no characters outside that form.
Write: h=6 m=19 s=7
